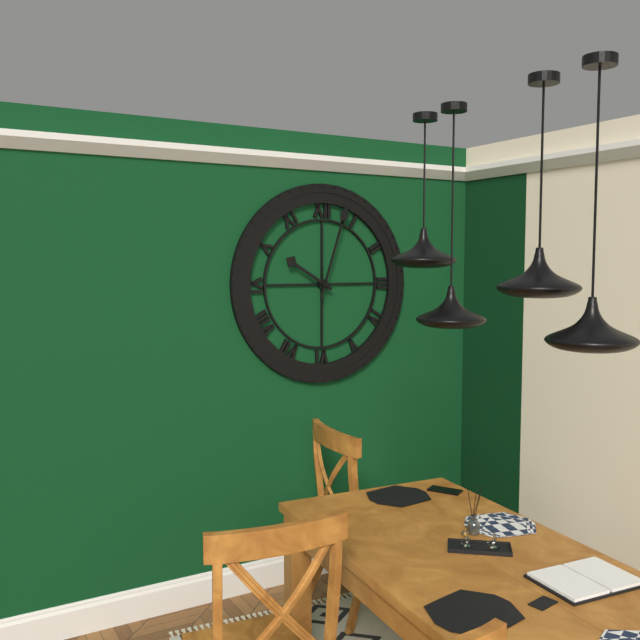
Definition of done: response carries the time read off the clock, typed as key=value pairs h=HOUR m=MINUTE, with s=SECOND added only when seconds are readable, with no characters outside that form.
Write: h=10 m=3
